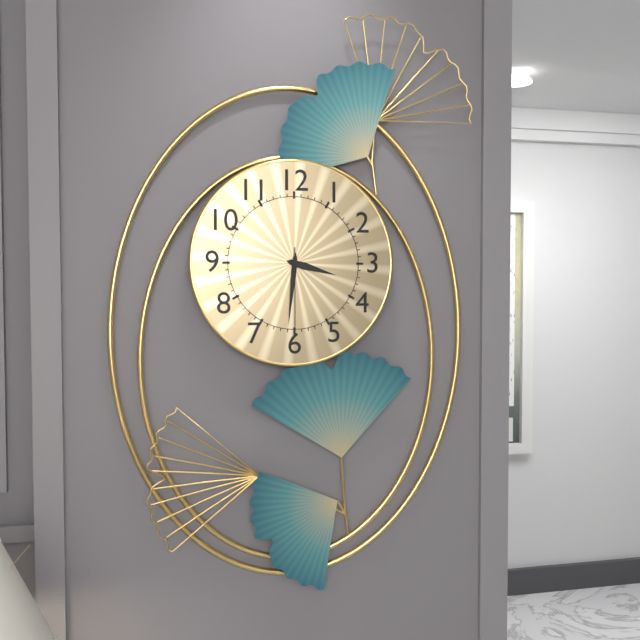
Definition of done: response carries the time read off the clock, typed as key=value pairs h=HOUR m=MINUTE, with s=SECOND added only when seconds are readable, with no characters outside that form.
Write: h=3 m=31 s=30
